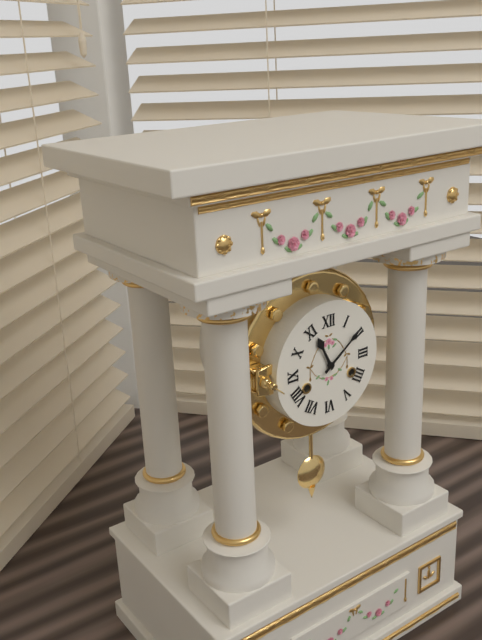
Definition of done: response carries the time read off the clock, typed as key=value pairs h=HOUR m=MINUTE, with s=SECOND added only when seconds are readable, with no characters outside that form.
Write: h=11 m=9
